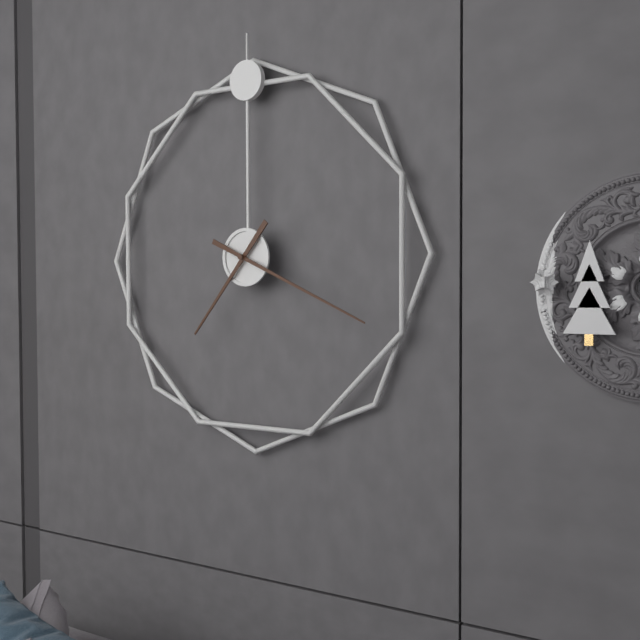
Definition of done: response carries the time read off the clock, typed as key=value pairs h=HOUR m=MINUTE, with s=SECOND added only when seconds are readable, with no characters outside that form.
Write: h=7 m=19
